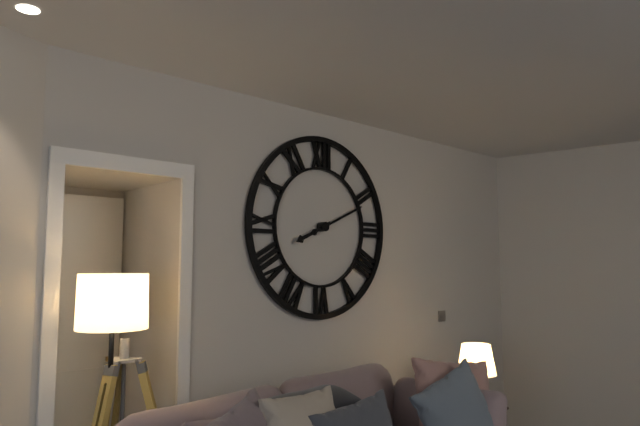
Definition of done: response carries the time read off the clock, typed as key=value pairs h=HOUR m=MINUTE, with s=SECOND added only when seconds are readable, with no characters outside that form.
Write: h=8 m=11
